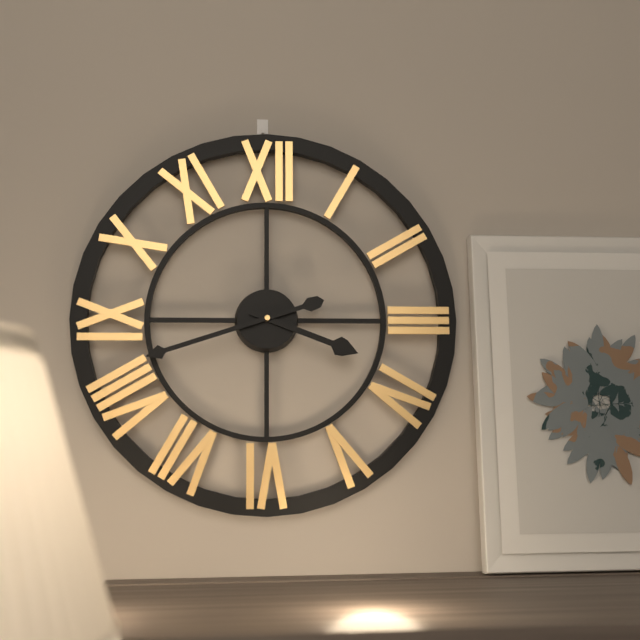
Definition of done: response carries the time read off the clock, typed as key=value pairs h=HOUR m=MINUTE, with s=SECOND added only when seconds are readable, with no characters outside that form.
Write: h=3 m=42
